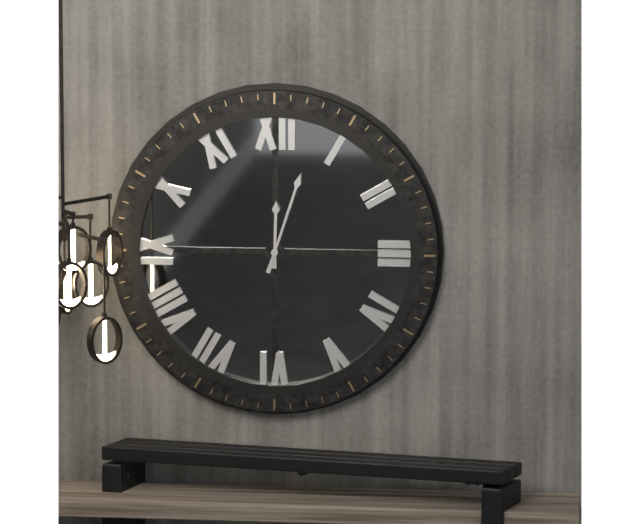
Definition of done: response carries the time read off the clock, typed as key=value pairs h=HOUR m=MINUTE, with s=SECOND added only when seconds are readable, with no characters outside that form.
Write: h=12 m=3
